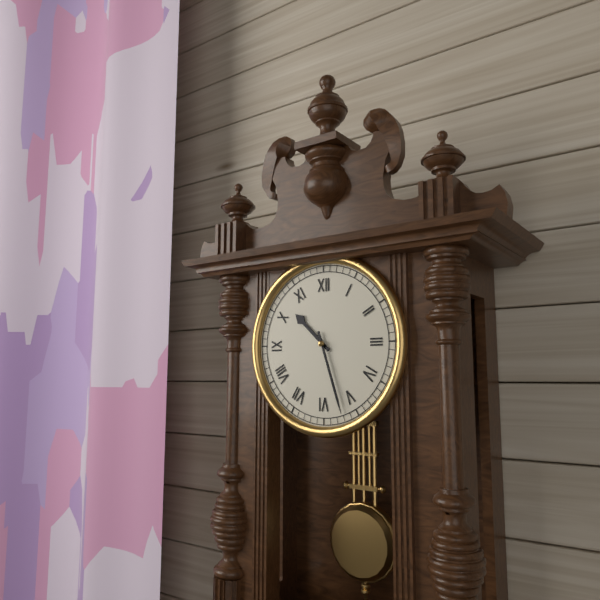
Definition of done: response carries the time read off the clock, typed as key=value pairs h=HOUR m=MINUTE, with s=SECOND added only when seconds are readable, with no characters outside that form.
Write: h=10 m=27
